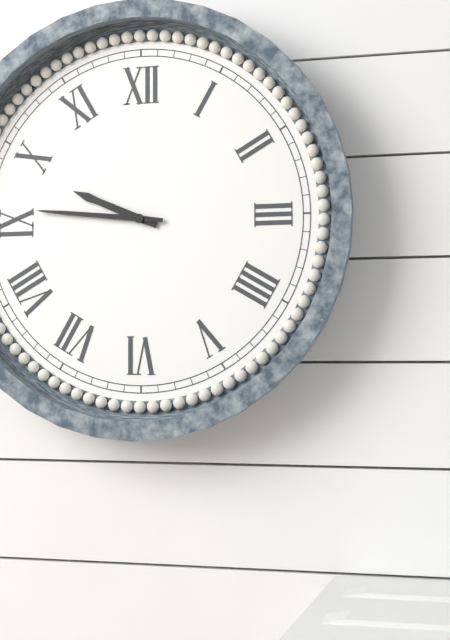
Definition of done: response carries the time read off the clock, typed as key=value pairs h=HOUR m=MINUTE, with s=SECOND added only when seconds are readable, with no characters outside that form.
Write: h=9 m=46
